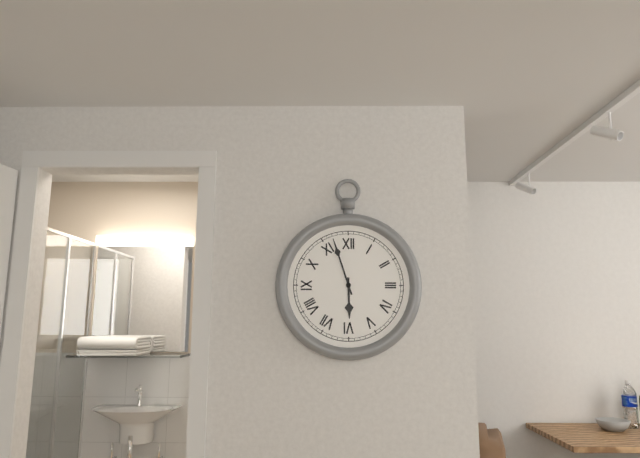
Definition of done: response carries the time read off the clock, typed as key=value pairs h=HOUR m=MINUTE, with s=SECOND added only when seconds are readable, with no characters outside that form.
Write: h=5 m=57
